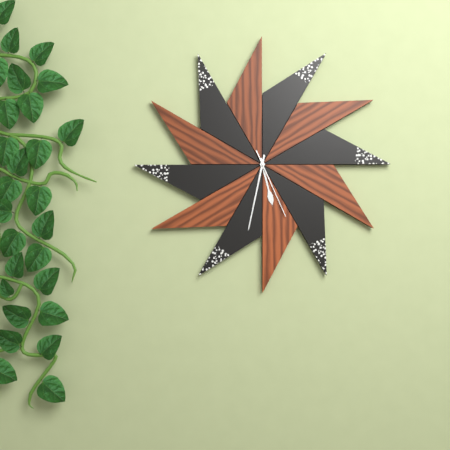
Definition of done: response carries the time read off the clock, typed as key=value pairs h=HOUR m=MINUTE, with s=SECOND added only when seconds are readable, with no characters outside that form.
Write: h=5 m=32 s=26
